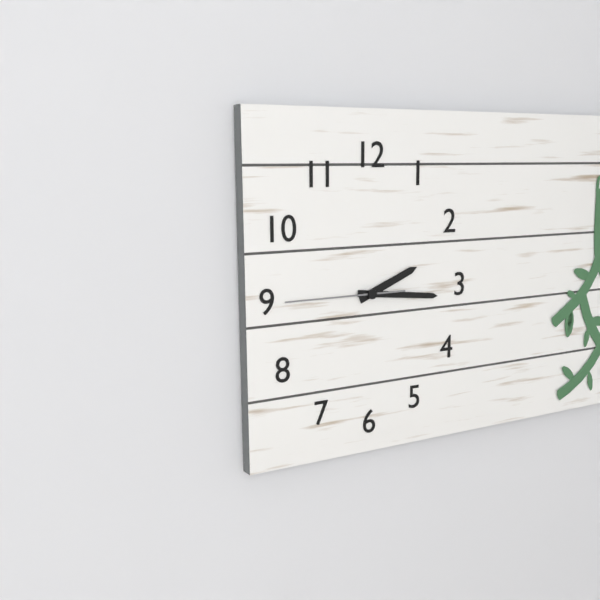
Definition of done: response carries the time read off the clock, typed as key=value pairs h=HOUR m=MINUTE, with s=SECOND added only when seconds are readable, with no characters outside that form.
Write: h=2 m=16 s=45
